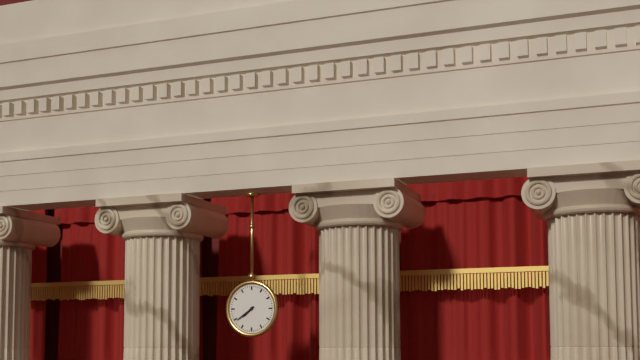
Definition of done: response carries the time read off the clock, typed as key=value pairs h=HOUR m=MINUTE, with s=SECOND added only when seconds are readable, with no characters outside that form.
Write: h=7 m=39
